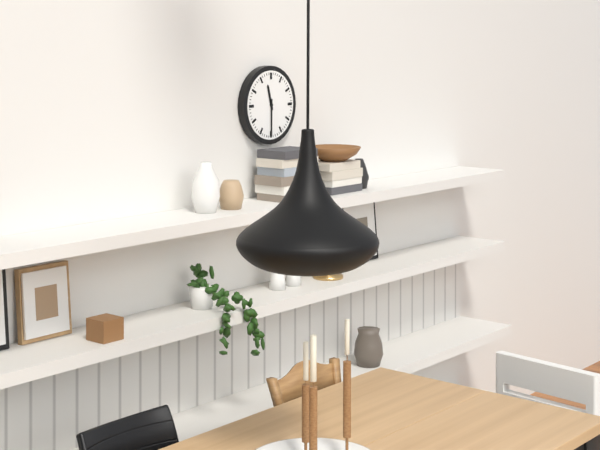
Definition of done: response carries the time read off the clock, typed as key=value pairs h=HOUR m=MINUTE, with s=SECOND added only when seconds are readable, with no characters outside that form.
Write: h=11 m=30
